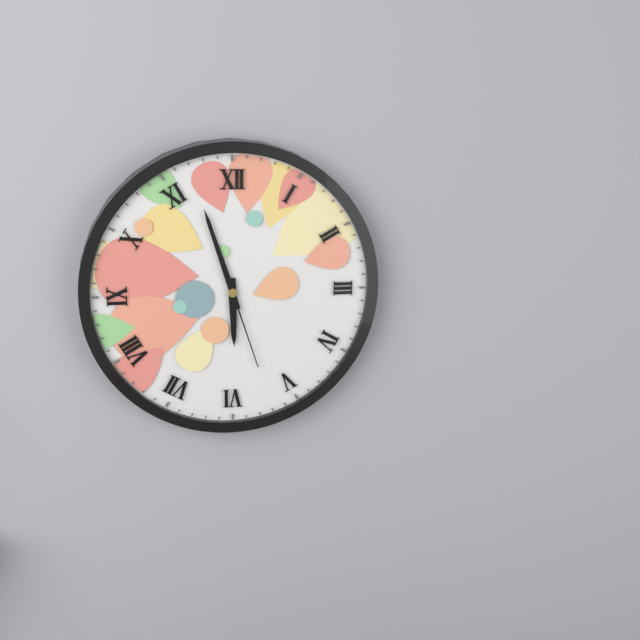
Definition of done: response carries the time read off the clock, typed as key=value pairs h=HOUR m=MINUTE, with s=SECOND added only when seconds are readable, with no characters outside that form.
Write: h=5 m=57 s=27
